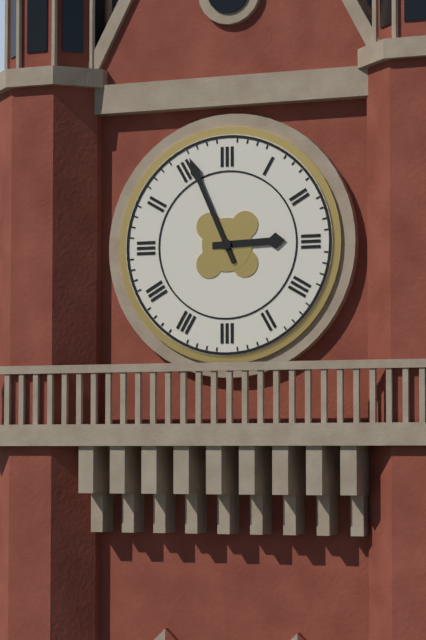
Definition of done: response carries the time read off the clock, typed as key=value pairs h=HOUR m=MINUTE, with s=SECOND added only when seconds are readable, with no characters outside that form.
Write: h=2 m=56
